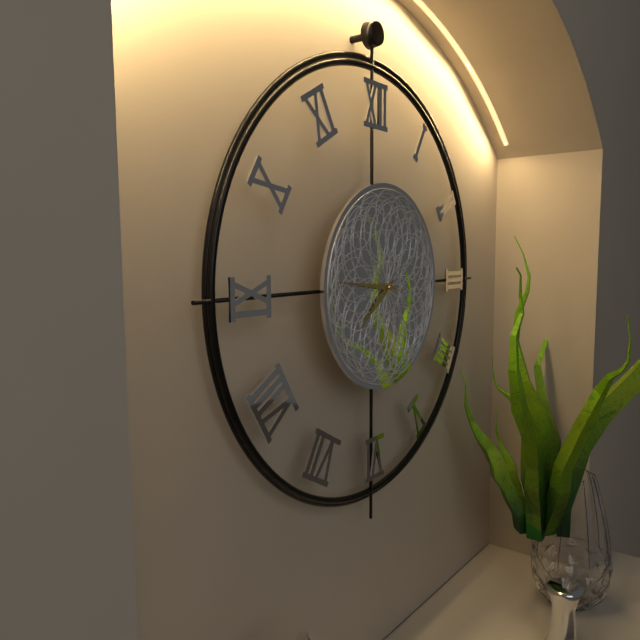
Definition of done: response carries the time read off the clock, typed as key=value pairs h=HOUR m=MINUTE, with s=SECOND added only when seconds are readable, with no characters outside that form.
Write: h=7 m=46
